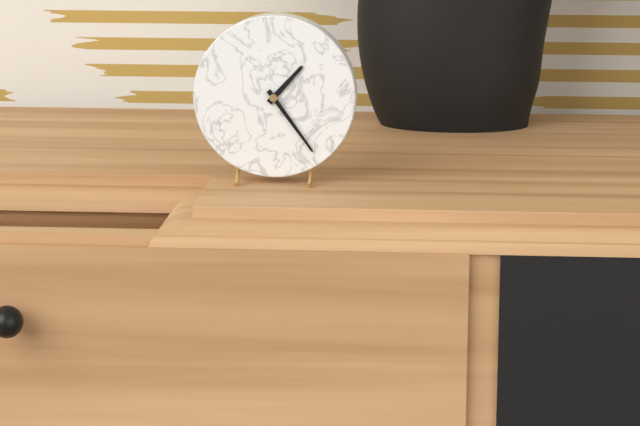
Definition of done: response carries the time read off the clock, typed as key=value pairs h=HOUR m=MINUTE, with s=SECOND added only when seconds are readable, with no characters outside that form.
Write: h=1 m=24
